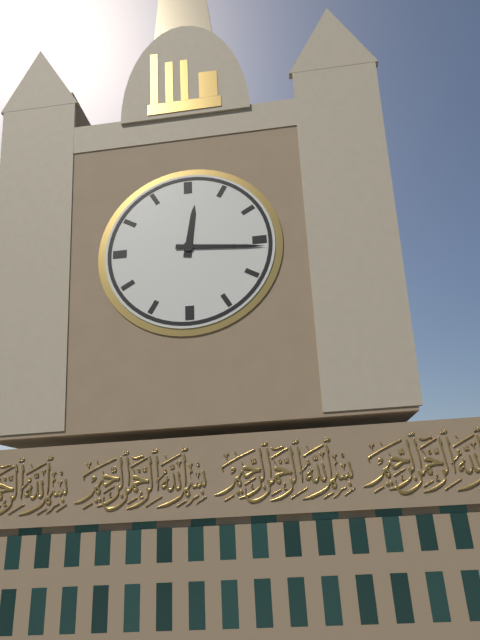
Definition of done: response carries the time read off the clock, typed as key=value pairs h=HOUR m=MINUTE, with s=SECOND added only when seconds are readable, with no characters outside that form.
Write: h=12 m=16
